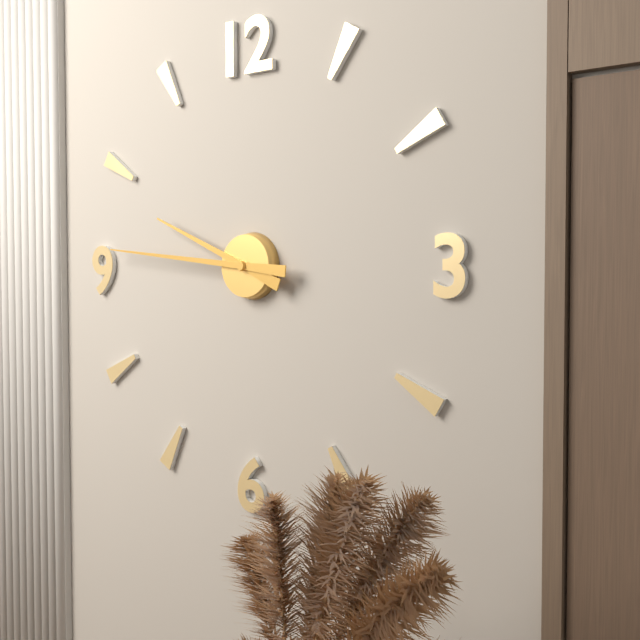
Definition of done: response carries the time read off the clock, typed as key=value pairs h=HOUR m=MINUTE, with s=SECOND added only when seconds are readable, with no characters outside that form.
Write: h=9 m=46
